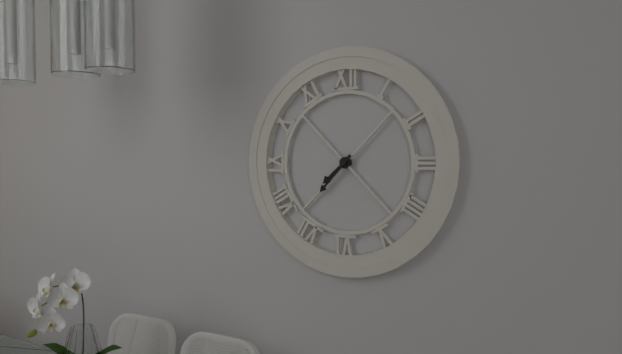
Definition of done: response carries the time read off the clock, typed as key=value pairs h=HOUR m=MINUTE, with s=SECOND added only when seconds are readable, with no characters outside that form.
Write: h=7 m=37
